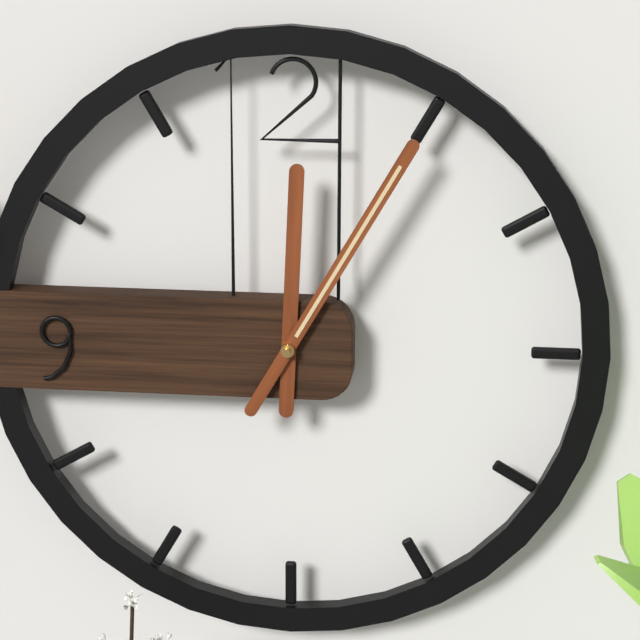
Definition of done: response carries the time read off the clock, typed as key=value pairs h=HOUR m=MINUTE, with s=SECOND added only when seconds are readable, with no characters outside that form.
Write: h=12 m=5
